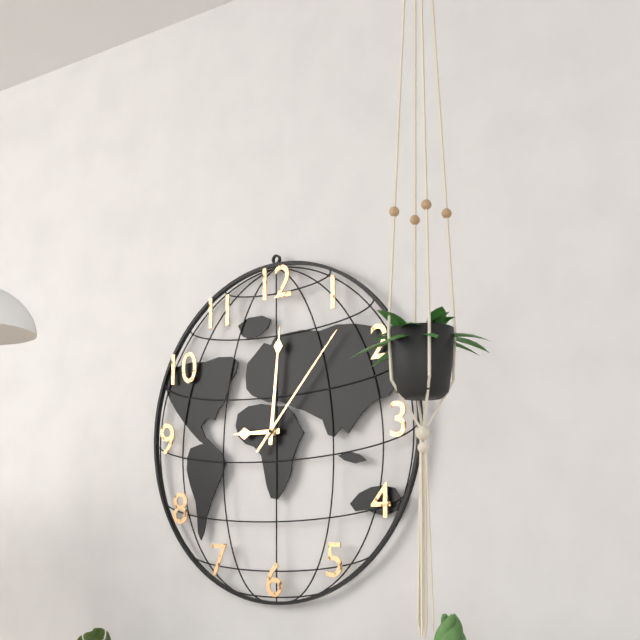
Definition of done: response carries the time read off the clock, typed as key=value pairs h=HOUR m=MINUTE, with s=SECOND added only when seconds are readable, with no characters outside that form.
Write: h=9 m=1 s=7
